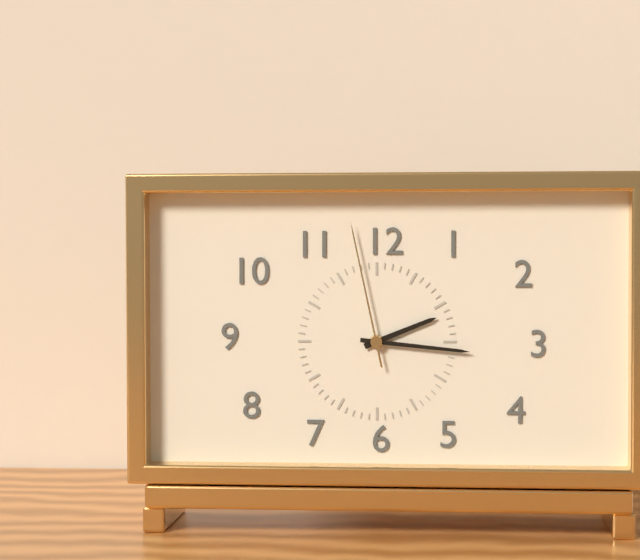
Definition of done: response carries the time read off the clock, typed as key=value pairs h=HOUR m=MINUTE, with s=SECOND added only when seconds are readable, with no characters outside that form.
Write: h=2 m=16 s=58
